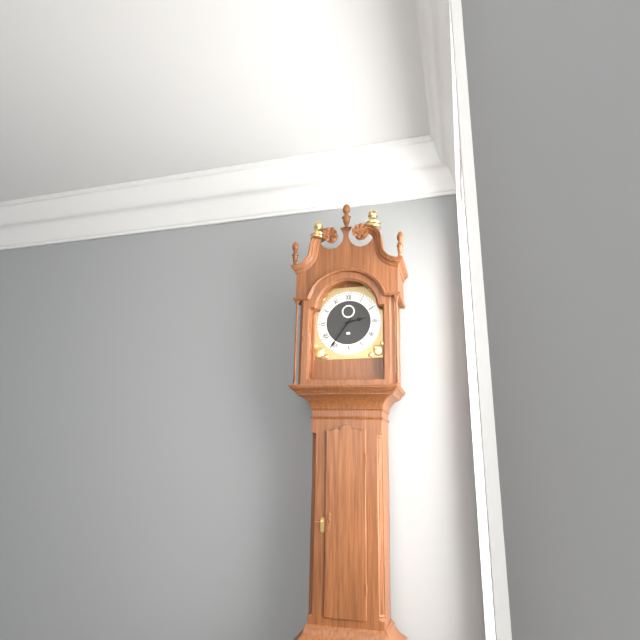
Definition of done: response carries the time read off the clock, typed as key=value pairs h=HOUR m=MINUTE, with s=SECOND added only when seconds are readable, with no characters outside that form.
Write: h=2 m=36
